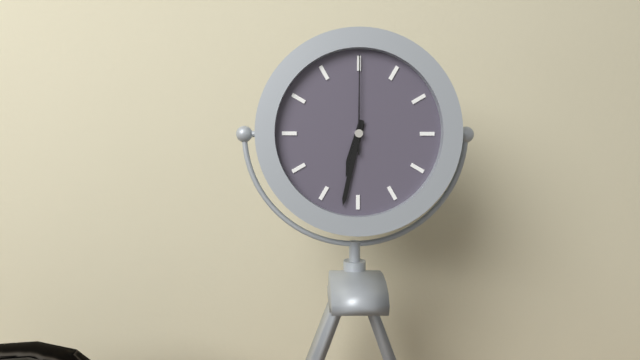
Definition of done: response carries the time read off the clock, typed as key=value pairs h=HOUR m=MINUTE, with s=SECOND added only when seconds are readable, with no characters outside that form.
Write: h=6 m=32 s=0
